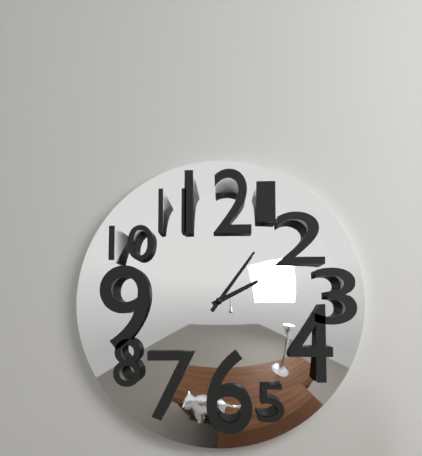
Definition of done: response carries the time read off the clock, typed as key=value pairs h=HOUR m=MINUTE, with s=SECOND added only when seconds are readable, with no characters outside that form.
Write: h=2 m=6
